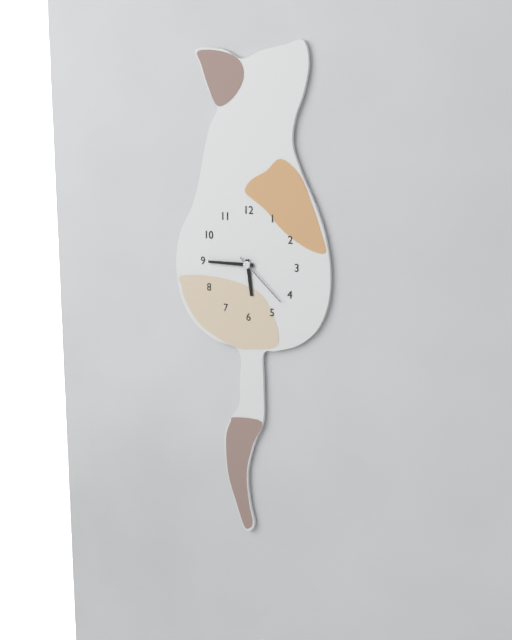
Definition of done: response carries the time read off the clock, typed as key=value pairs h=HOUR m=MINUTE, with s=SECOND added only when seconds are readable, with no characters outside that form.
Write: h=5 m=45 s=22
